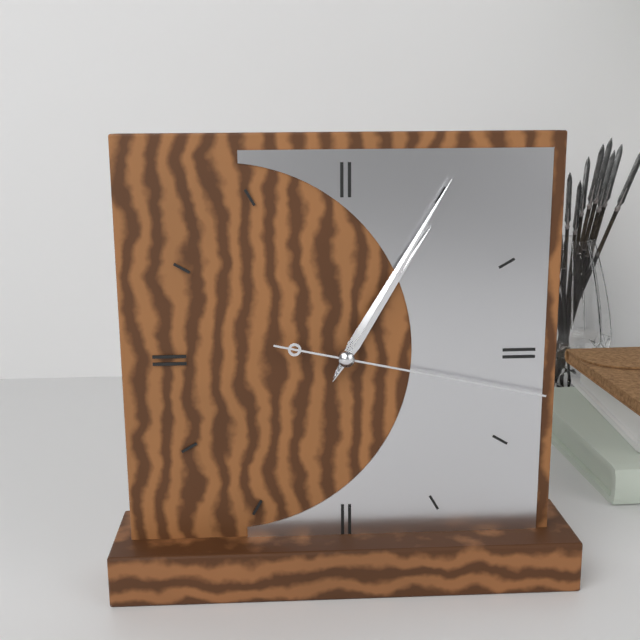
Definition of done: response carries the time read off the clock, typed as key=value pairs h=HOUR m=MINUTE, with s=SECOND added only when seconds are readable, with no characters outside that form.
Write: h=1 m=5 s=17
